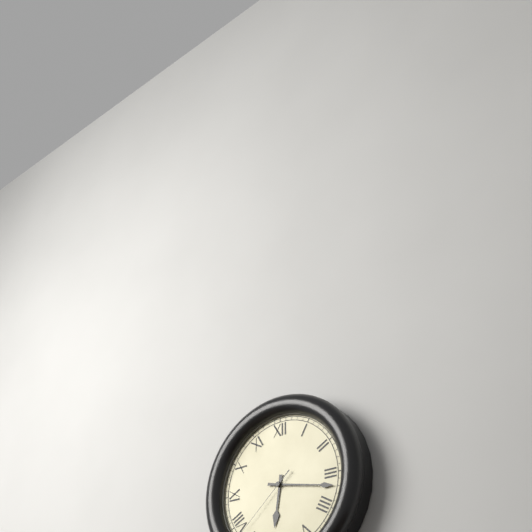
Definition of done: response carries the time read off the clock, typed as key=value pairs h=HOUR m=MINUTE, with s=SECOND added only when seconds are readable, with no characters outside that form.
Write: h=6 m=17
